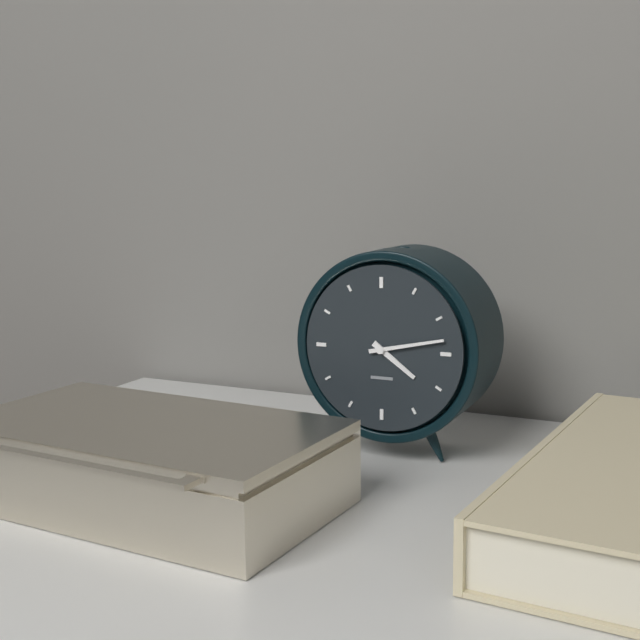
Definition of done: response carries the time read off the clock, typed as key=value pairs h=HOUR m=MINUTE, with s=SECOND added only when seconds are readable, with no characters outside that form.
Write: h=4 m=13
